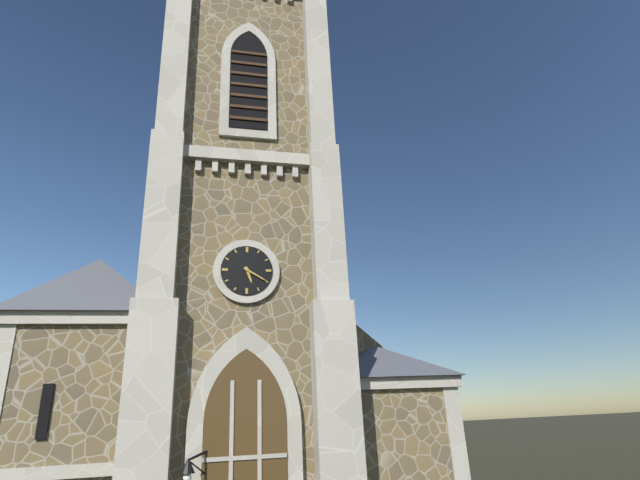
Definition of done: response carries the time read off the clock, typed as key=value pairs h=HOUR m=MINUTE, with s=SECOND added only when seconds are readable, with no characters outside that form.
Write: h=5 m=20
